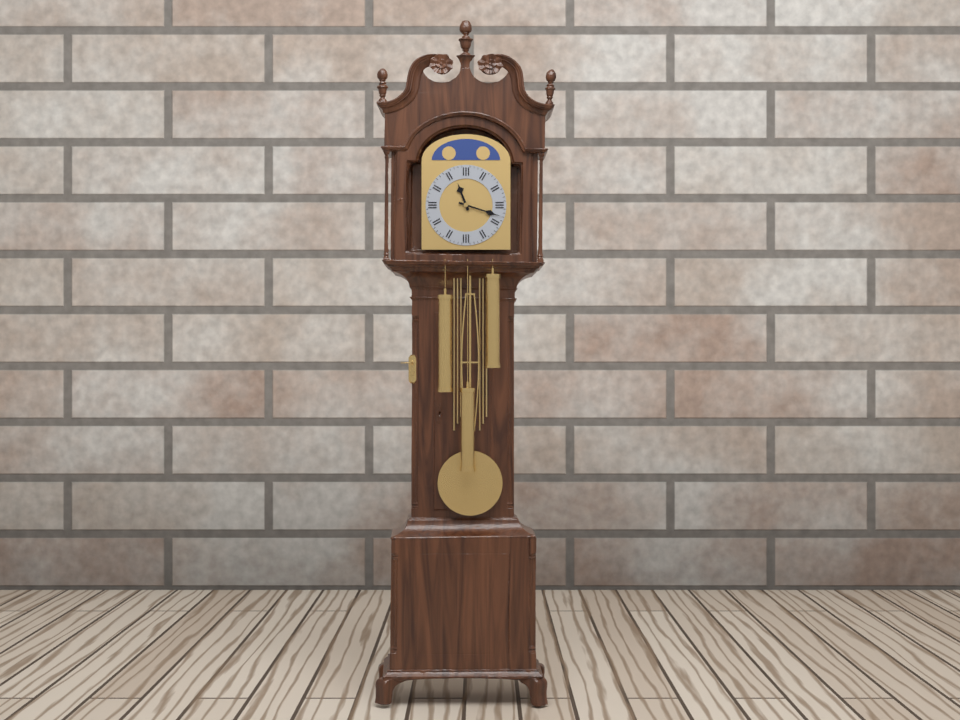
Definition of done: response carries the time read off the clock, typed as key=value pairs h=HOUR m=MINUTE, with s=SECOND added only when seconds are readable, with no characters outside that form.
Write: h=11 m=18
